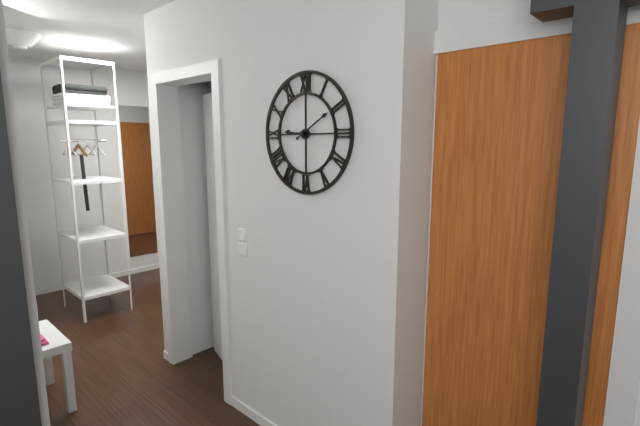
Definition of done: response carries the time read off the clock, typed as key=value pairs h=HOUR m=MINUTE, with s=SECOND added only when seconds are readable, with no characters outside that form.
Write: h=9 m=10
